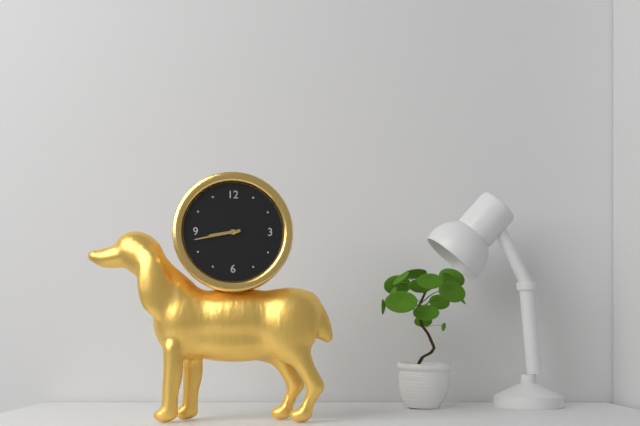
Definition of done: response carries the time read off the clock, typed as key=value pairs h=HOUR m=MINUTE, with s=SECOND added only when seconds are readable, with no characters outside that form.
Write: h=8 m=43
